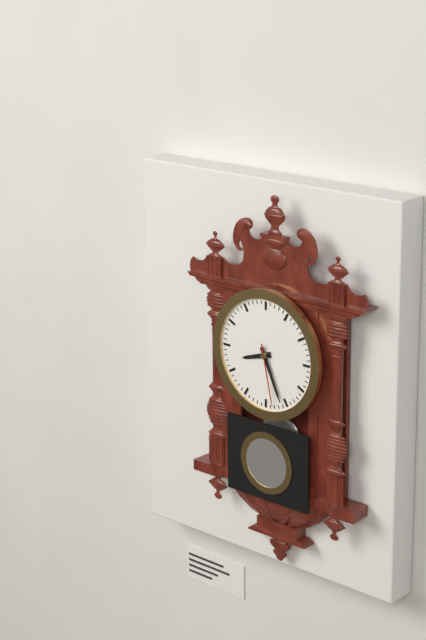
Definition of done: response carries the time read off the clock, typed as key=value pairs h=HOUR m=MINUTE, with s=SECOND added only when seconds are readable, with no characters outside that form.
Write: h=8 m=26 s=28
